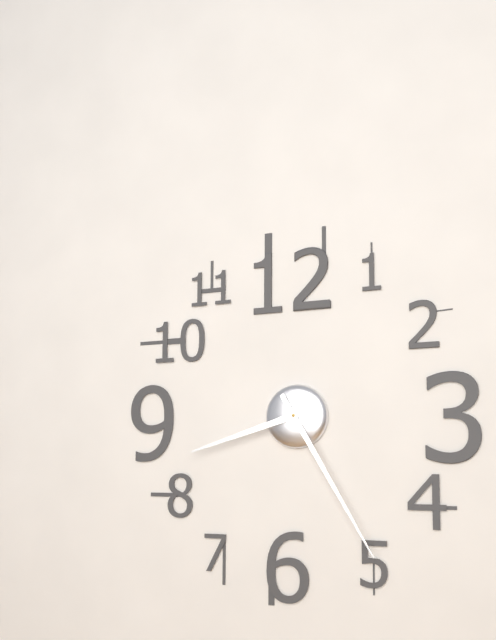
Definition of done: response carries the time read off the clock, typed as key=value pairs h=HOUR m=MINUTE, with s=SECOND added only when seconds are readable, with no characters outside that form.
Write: h=8 m=25
